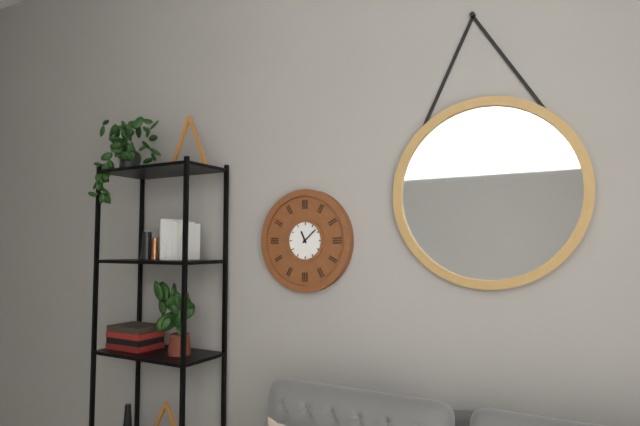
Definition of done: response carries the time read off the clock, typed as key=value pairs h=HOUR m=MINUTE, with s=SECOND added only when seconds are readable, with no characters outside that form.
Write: h=11 m=8
